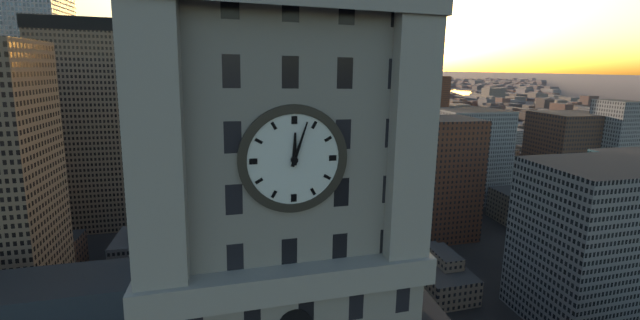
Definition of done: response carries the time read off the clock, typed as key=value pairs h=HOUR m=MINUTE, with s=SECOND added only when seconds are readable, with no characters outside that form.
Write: h=12 m=3
